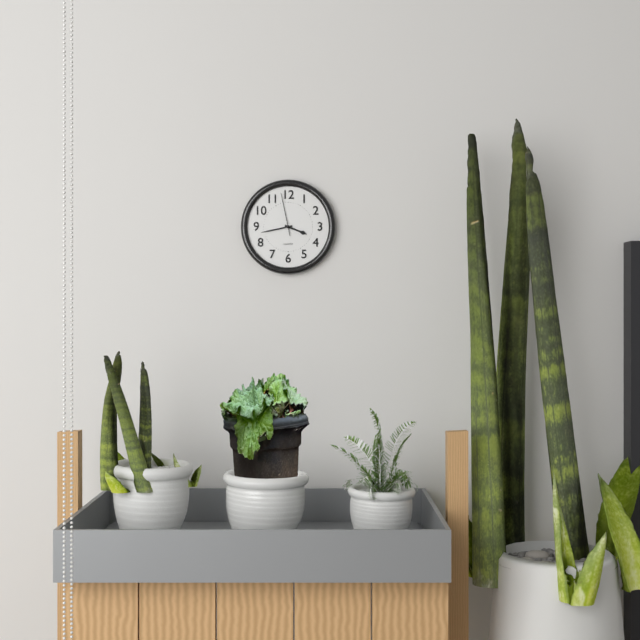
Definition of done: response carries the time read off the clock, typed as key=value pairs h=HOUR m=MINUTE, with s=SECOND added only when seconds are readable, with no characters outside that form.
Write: h=3 m=43
